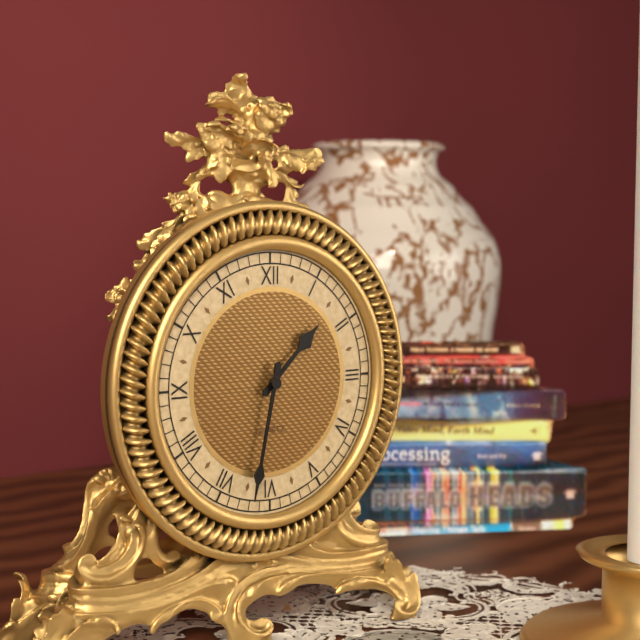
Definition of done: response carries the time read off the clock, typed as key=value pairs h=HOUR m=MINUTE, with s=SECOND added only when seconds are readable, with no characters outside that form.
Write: h=1 m=32
